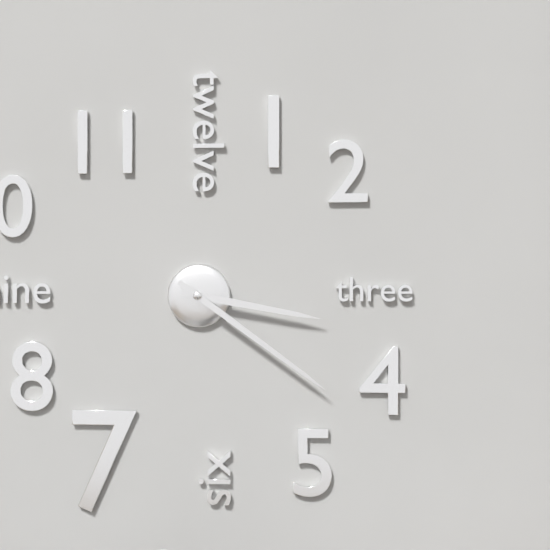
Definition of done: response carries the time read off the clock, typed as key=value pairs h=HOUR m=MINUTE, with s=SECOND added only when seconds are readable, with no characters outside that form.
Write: h=3 m=21
